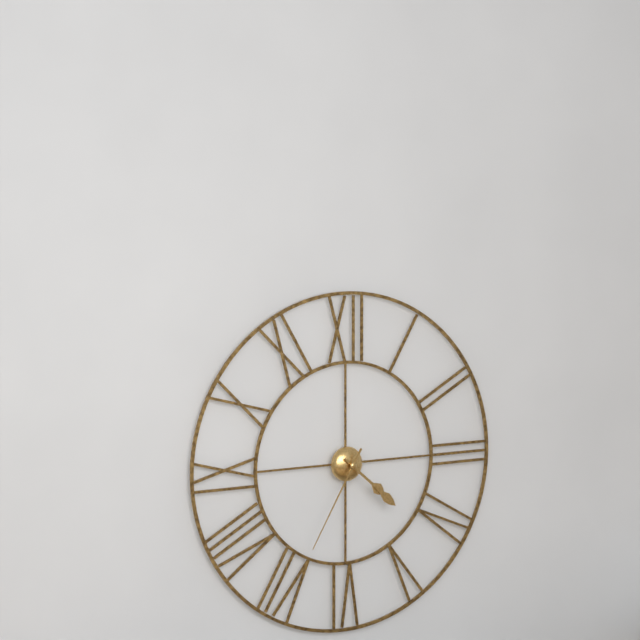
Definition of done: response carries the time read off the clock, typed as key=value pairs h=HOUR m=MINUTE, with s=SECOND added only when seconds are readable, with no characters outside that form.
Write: h=4 m=22 s=35
